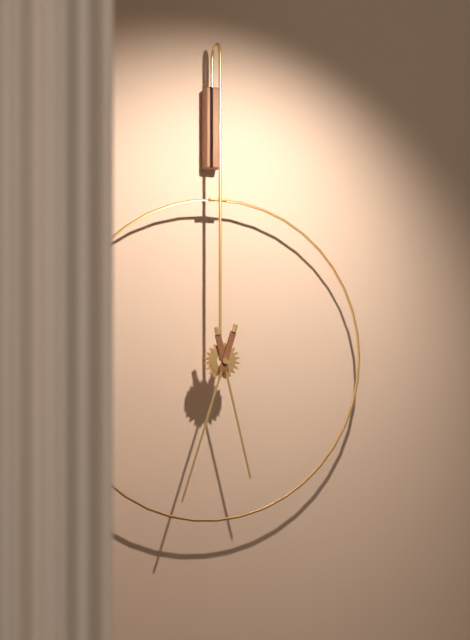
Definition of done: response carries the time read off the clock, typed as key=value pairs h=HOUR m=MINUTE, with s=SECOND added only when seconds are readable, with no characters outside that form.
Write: h=5 m=33
